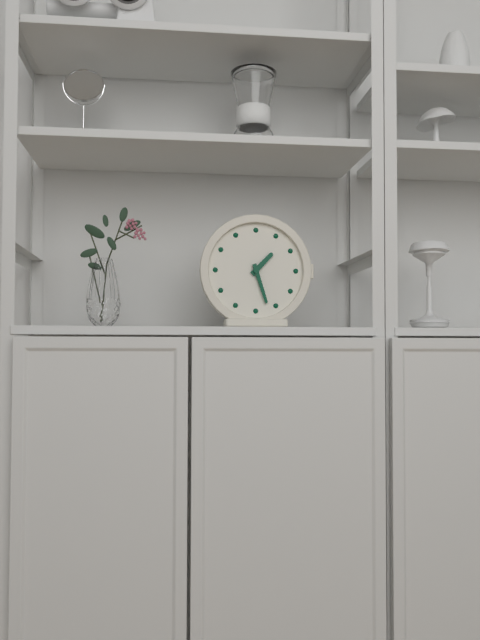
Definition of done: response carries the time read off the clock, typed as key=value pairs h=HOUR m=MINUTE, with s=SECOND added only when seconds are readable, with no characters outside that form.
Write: h=1 m=27
